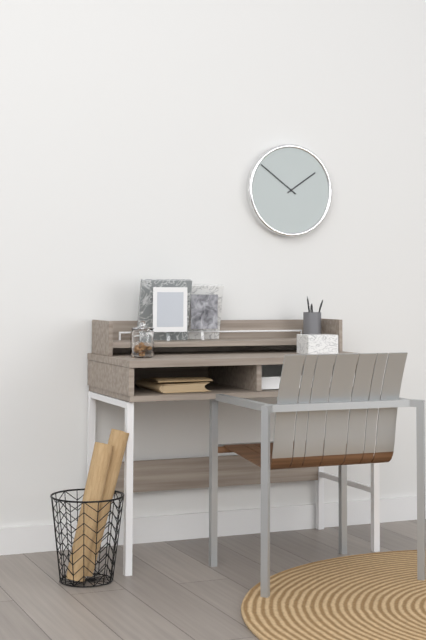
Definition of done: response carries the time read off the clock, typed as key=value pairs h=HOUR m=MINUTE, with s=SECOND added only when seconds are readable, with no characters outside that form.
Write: h=1 m=51
